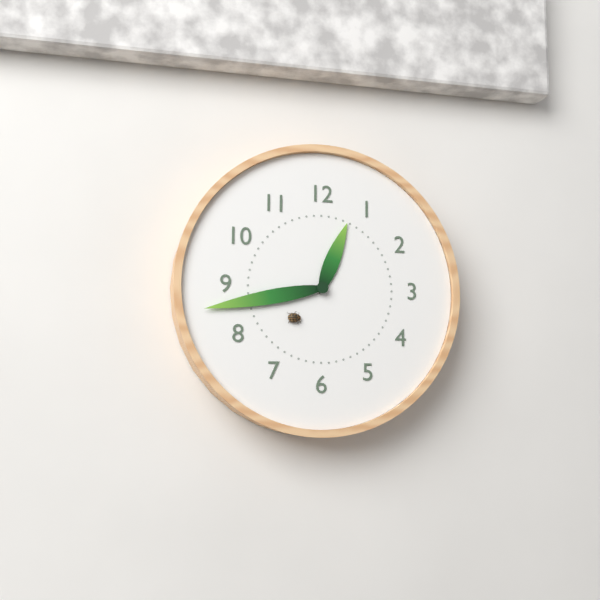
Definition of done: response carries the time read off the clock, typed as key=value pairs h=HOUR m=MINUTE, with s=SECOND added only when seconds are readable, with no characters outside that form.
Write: h=12 m=43
